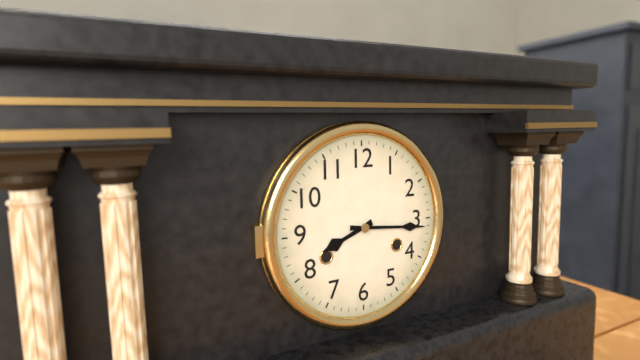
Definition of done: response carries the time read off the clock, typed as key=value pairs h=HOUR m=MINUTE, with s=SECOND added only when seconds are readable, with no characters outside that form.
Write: h=8 m=16
